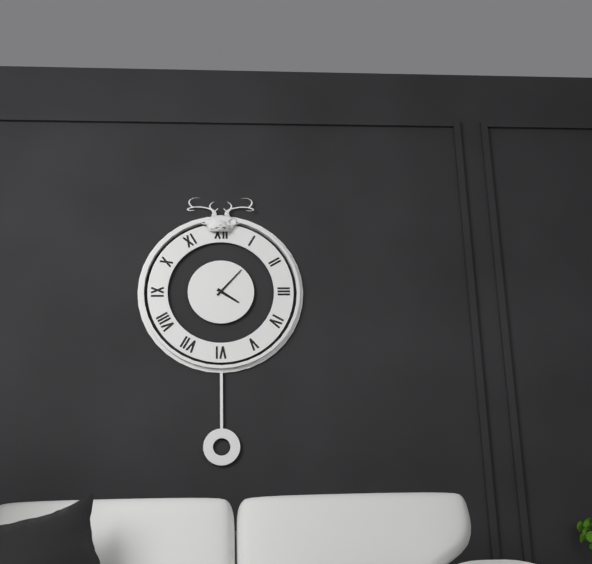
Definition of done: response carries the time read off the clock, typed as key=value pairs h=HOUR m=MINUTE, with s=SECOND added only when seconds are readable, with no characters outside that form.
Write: h=4 m=7
